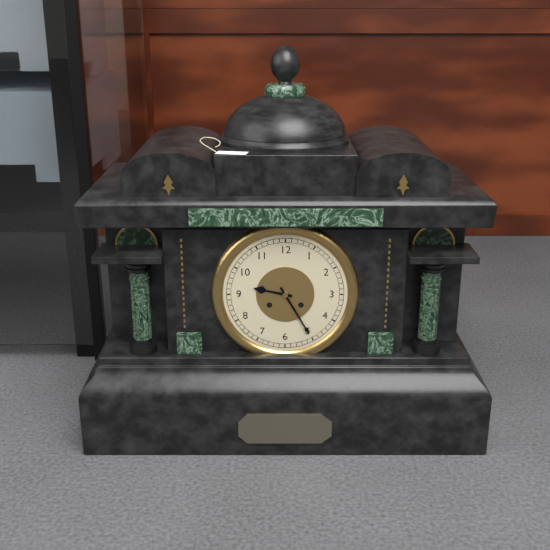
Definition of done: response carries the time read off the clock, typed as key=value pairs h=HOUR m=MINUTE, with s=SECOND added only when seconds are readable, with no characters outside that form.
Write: h=9 m=25
